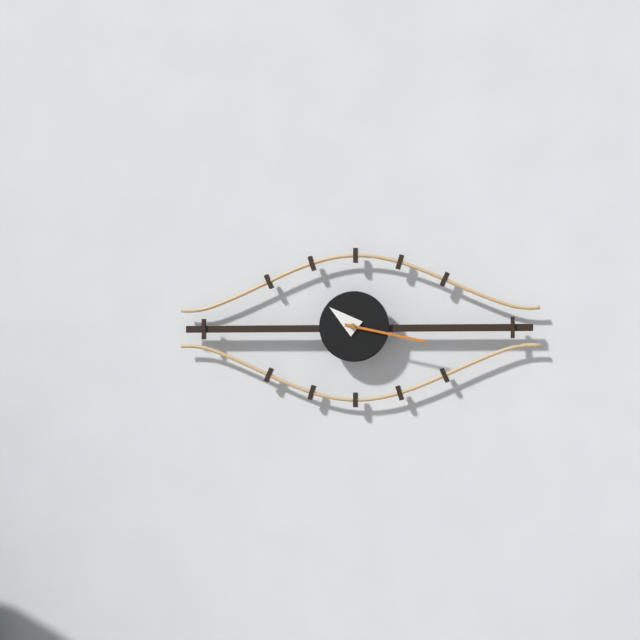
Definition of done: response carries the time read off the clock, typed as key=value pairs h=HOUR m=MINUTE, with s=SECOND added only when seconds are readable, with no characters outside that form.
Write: h=10 m=17
